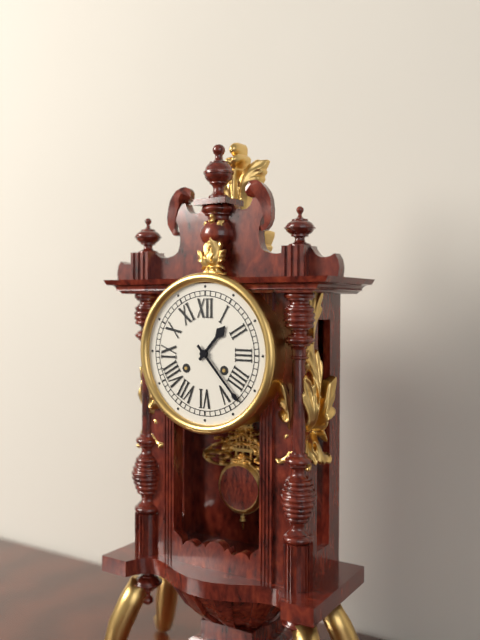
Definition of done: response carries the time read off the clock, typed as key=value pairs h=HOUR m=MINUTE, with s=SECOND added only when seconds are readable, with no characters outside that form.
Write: h=1 m=23
